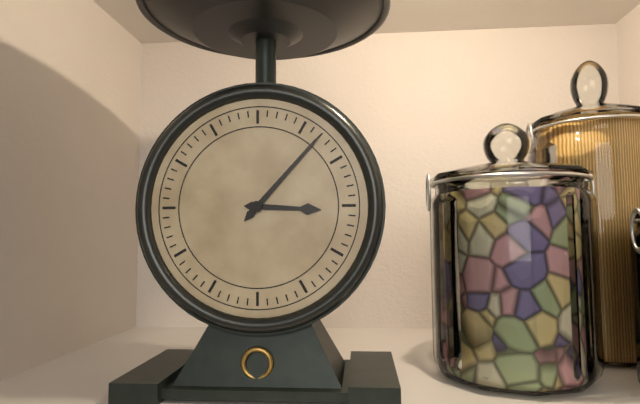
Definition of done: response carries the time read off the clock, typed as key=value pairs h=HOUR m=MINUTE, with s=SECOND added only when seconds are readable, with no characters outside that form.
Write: h=3 m=7
